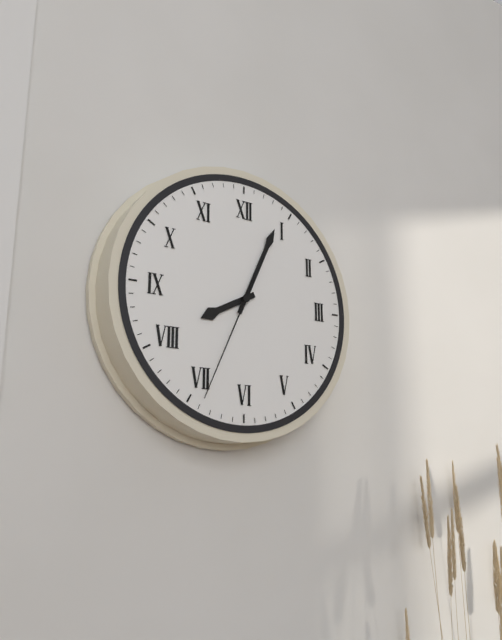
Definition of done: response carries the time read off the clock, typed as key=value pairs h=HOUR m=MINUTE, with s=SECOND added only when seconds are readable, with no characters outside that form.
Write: h=8 m=4 s=34
